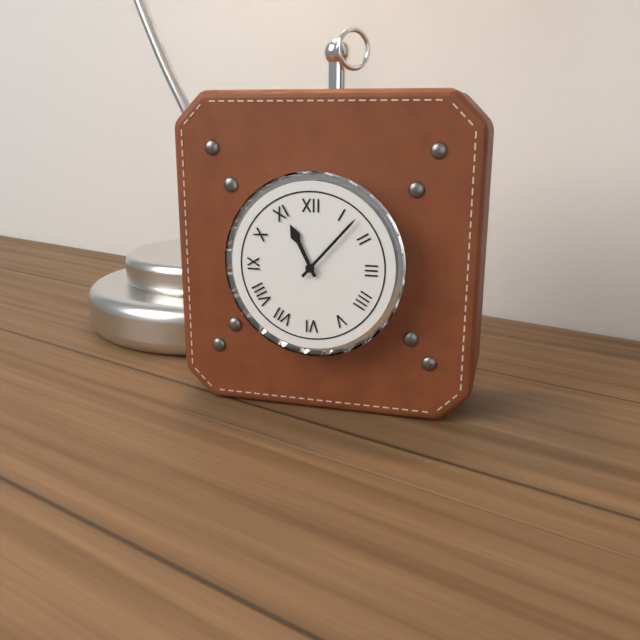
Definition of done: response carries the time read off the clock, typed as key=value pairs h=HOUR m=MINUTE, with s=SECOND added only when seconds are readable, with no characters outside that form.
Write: h=11 m=7
